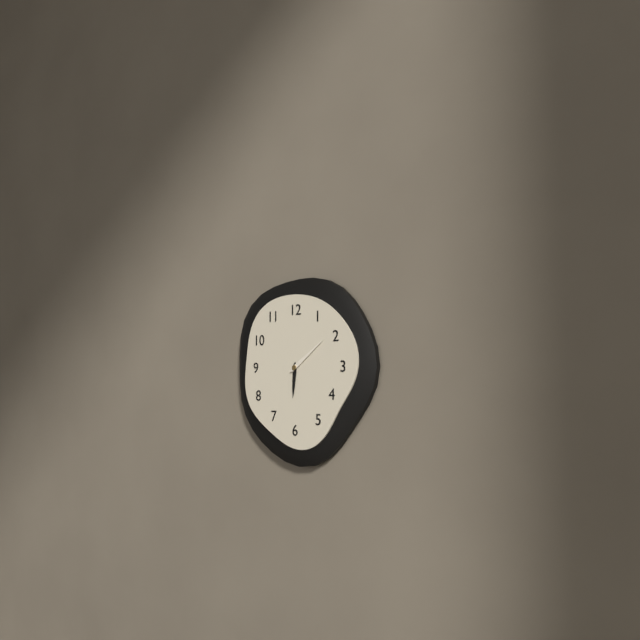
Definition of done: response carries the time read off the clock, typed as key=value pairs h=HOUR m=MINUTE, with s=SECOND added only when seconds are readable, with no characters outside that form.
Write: h=6 m=9
